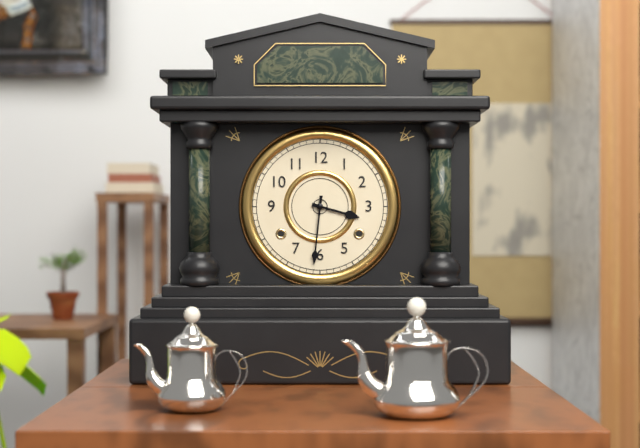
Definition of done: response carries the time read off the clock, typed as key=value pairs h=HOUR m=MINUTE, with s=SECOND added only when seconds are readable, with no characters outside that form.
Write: h=3 m=31
